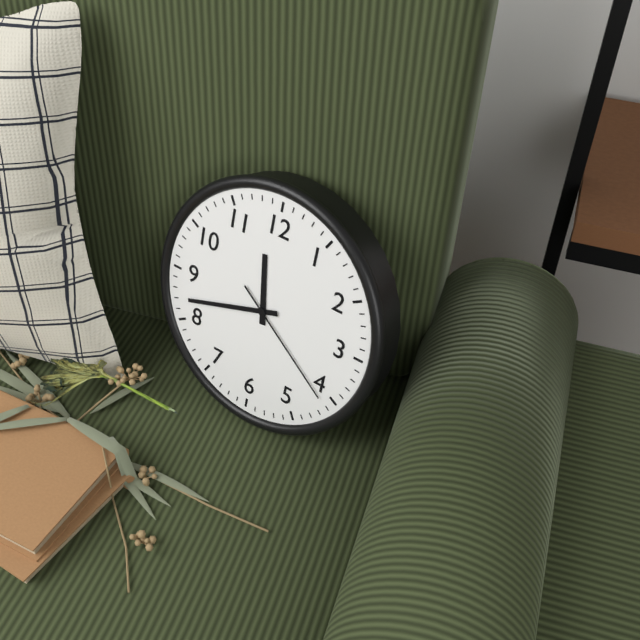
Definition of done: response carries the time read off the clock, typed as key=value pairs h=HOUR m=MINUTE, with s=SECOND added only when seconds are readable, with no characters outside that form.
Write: h=11 m=42 s=21
